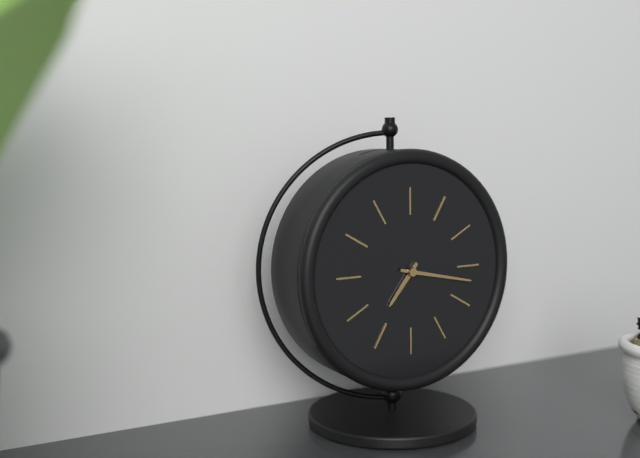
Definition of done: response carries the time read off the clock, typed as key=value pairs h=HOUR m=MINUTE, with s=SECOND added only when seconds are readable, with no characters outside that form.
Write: h=7 m=17
